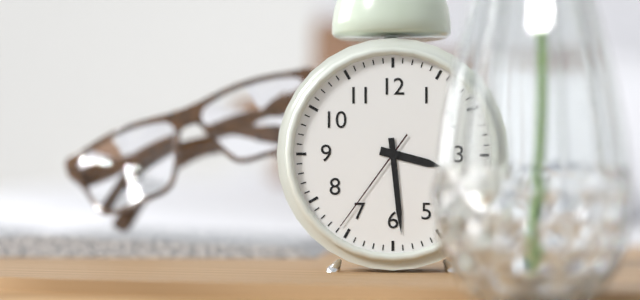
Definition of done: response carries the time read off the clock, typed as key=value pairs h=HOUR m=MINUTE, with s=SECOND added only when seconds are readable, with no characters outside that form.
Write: h=3 m=29 s=36
